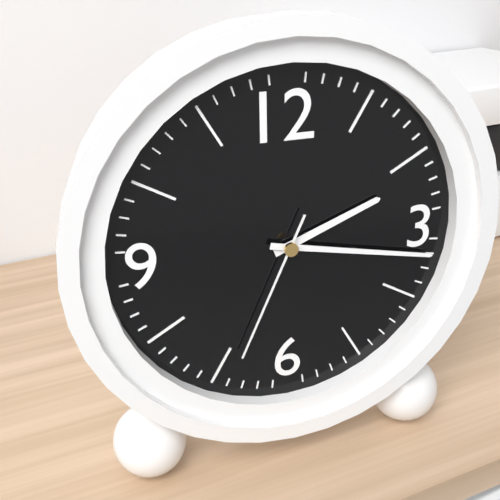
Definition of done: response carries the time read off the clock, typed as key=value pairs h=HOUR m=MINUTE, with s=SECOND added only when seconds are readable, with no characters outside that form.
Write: h=2 m=17 s=34
